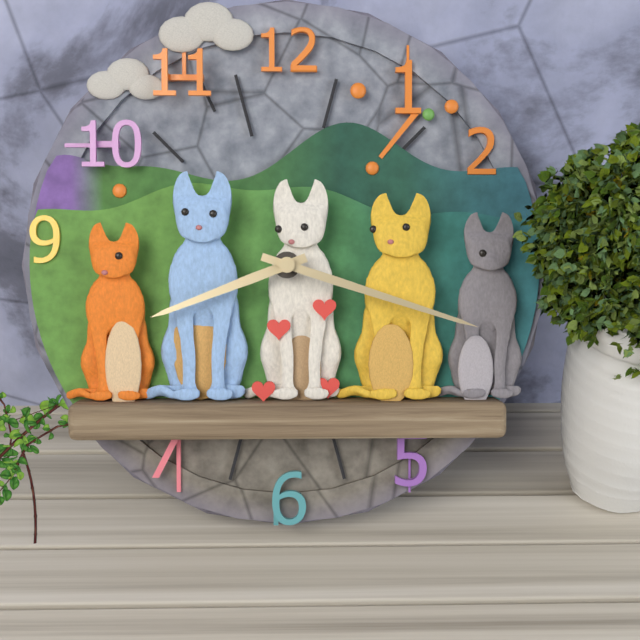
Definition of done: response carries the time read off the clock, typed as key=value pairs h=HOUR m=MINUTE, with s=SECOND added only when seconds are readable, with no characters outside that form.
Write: h=8 m=18
